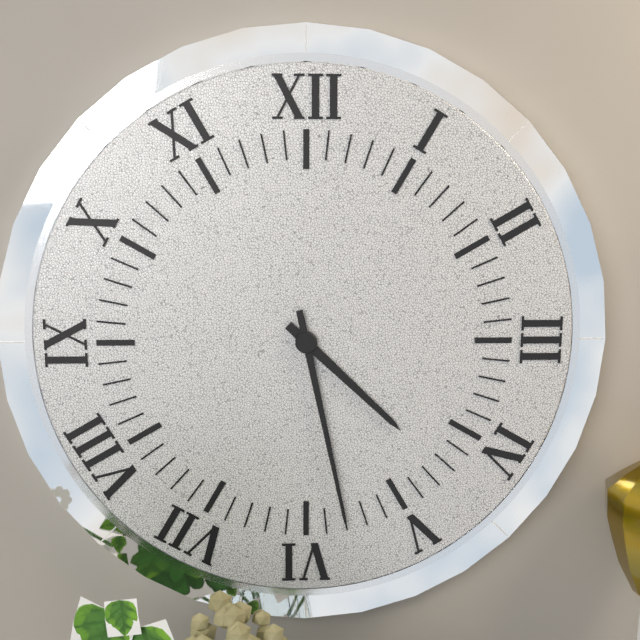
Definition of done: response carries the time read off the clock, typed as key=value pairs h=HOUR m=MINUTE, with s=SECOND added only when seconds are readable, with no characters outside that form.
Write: h=4 m=28
